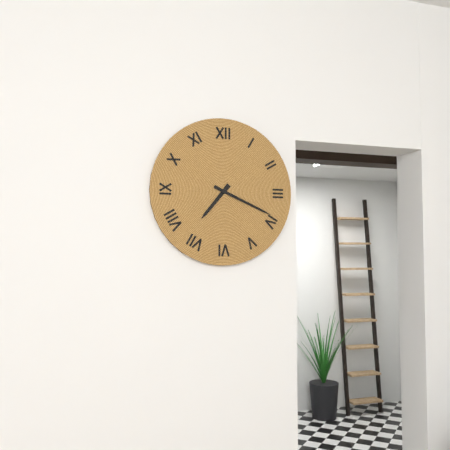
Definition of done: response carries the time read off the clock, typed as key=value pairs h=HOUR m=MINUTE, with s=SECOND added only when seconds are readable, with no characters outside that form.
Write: h=7 m=19
